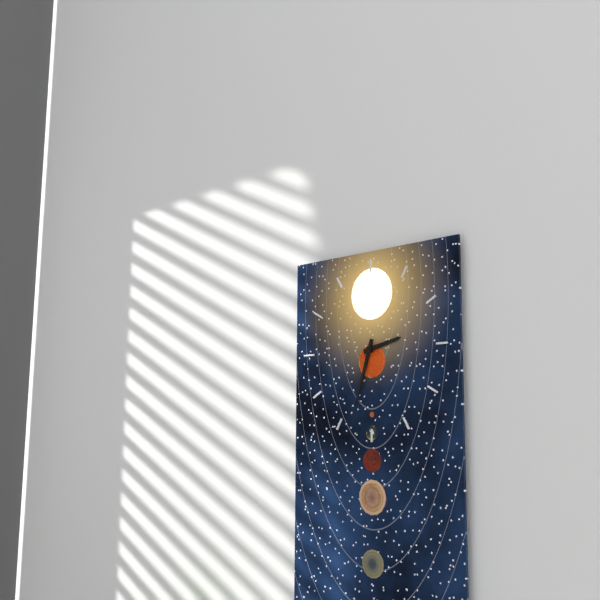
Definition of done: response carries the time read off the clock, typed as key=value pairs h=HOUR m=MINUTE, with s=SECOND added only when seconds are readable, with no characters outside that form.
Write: h=2 m=33
